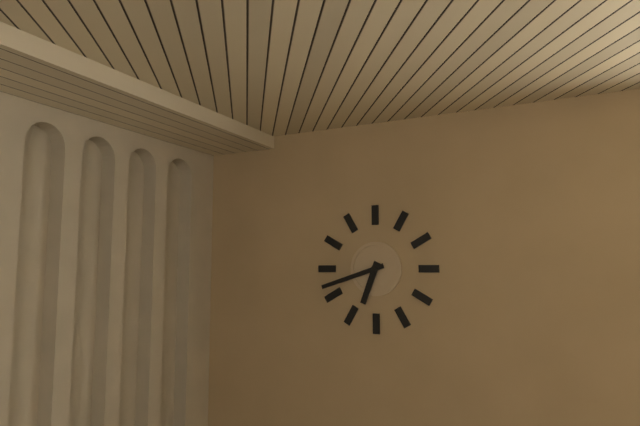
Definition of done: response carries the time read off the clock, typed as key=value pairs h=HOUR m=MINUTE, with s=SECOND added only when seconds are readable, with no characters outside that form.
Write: h=6 m=42
